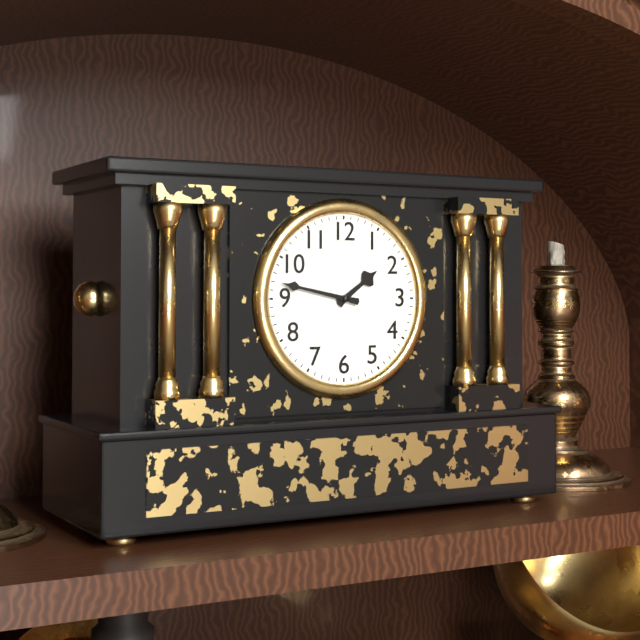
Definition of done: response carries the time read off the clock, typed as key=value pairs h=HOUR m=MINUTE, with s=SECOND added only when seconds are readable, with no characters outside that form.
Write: h=1 m=47
